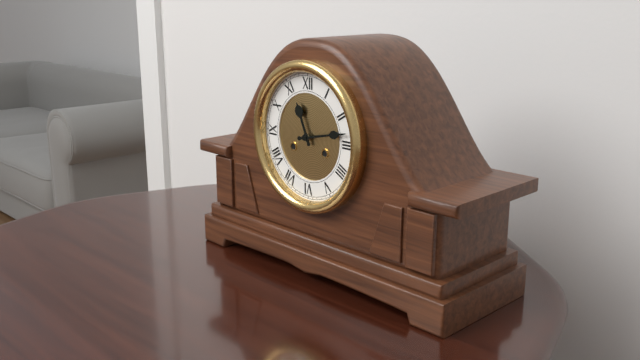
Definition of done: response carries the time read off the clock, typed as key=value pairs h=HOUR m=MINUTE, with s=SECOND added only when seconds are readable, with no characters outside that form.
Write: h=11 m=13
